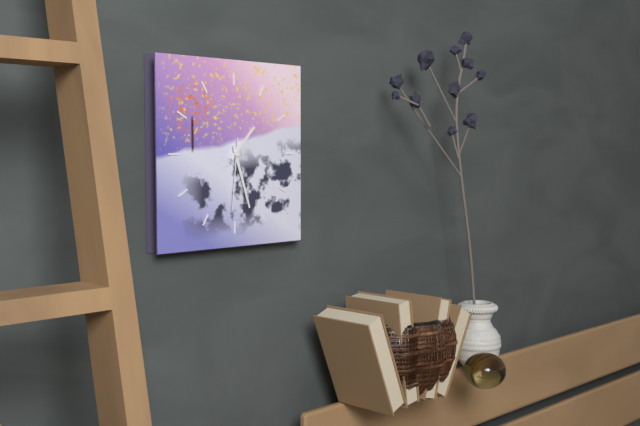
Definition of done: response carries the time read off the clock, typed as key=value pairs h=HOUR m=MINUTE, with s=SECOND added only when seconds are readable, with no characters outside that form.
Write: h=1 m=27 s=31
